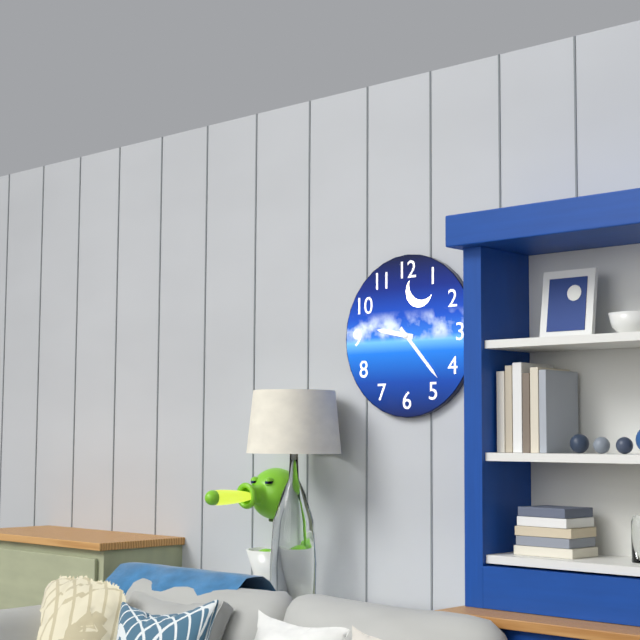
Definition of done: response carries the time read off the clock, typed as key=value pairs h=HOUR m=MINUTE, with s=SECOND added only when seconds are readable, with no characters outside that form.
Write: h=9 m=23
